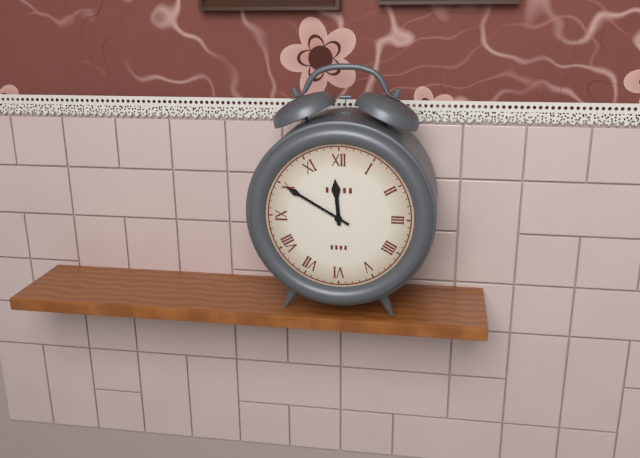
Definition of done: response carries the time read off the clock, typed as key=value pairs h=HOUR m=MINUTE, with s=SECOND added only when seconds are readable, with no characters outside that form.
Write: h=11 m=50
